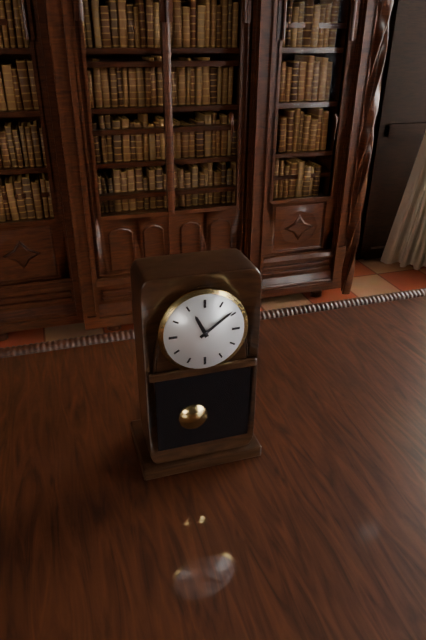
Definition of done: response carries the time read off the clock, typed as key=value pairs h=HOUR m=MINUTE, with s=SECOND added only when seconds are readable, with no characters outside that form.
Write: h=11 m=9
